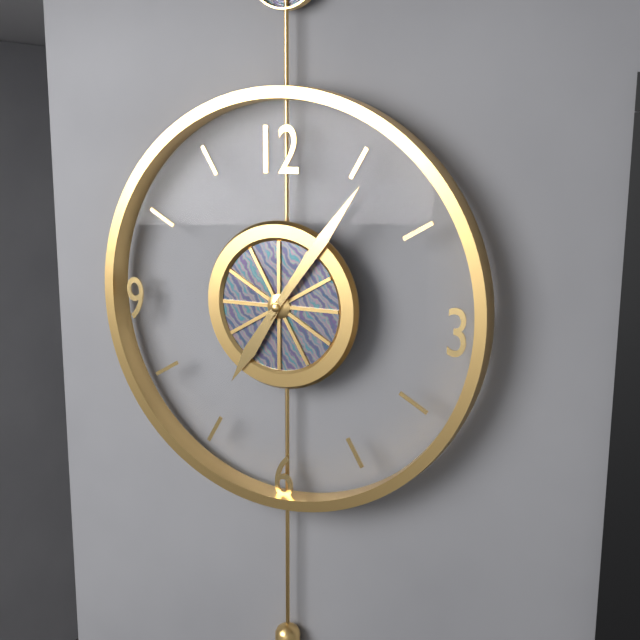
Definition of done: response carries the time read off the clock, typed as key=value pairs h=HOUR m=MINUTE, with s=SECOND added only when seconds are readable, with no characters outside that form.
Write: h=7 m=6
